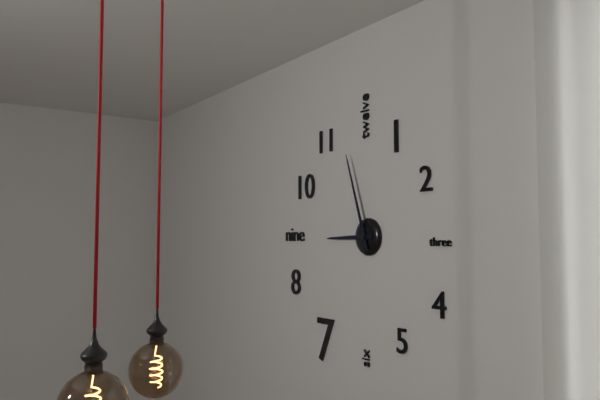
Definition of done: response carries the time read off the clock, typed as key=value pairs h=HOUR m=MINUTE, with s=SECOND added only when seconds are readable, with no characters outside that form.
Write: h=8 m=57
